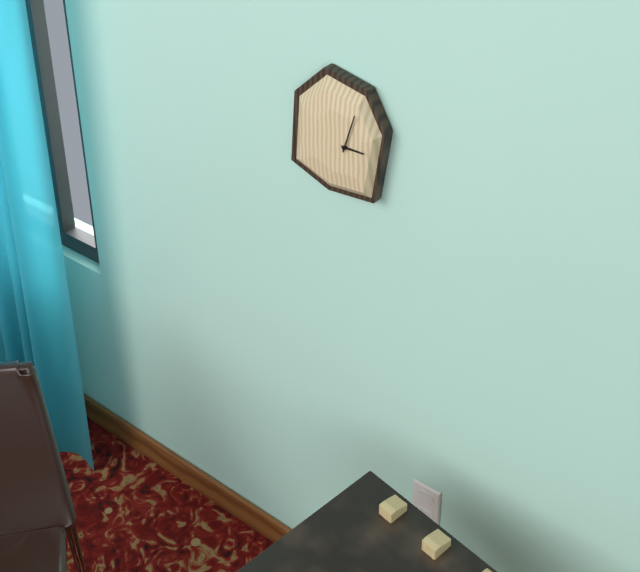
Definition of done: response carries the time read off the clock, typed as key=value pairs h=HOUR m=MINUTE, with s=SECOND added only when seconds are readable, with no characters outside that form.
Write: h=3 m=3
